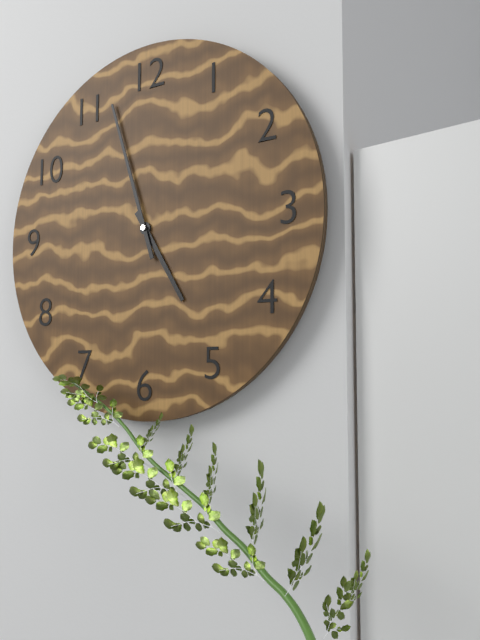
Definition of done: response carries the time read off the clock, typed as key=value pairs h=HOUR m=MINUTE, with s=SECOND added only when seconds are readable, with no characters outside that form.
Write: h=4 m=57
